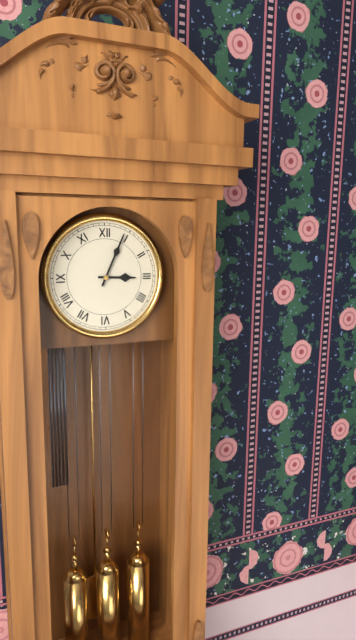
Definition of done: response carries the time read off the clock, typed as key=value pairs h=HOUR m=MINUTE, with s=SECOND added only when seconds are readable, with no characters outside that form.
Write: h=3 m=4
